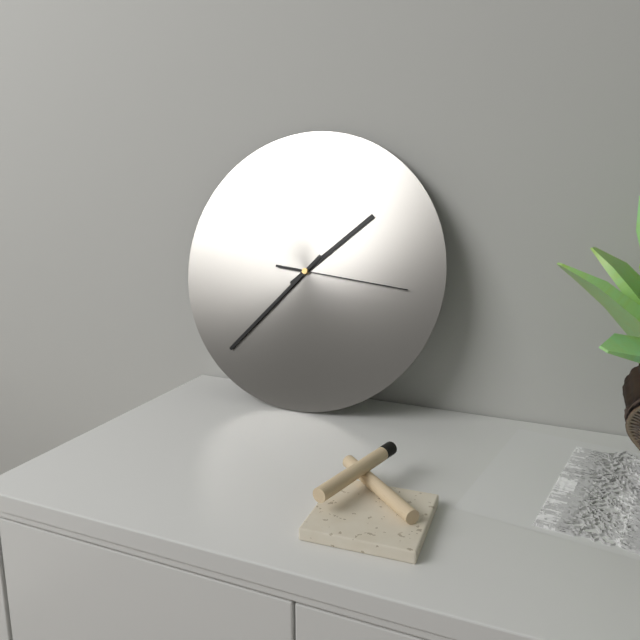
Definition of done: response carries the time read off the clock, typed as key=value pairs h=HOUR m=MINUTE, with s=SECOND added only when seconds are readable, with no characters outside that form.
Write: h=1 m=37 s=16
